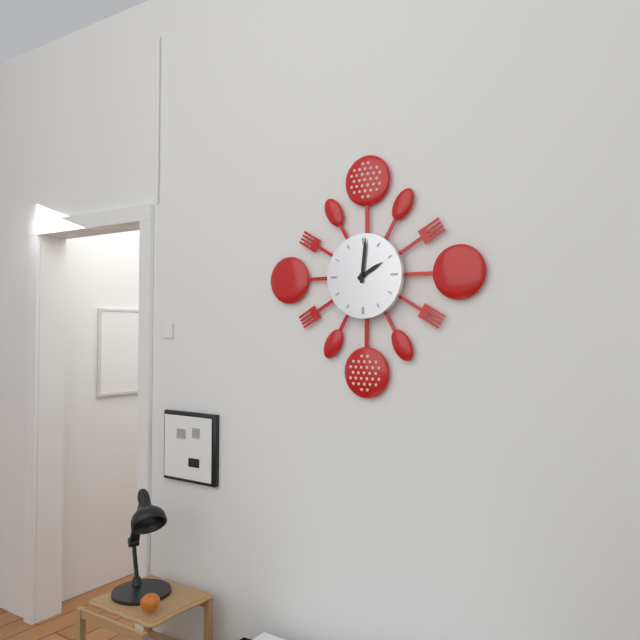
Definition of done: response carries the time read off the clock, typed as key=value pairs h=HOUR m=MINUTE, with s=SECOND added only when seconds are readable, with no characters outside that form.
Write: h=2 m=1
